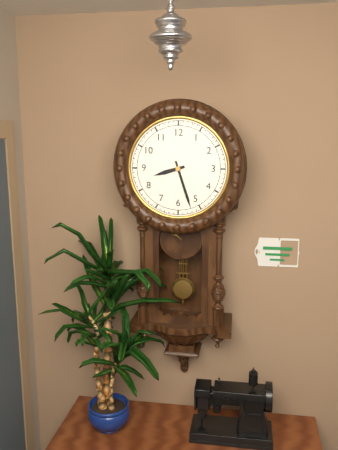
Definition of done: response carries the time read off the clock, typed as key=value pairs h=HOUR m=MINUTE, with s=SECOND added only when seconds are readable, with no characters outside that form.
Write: h=8 m=27
